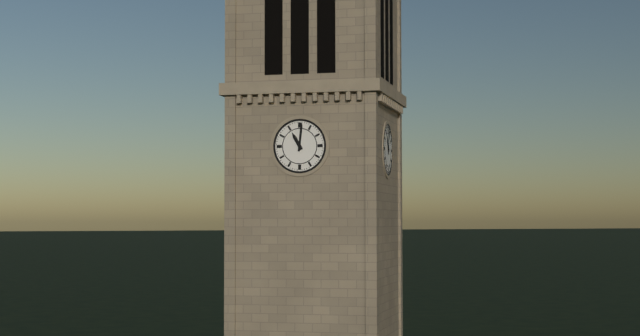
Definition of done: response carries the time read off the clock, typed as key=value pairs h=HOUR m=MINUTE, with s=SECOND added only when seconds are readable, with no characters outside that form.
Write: h=11 m=1
